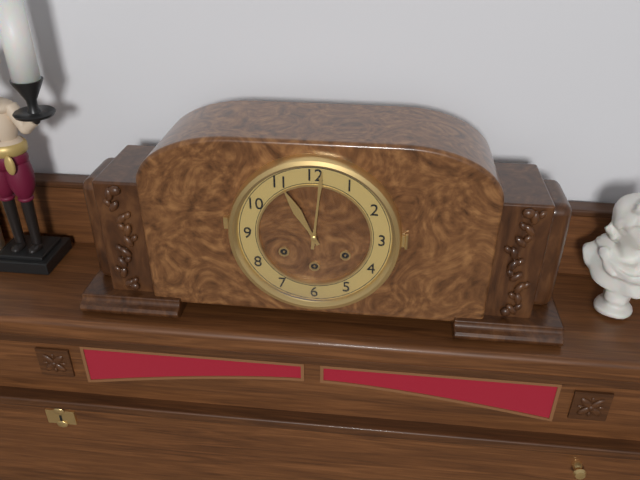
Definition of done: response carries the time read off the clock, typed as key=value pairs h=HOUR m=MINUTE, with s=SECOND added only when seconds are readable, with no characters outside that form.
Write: h=11 m=1
